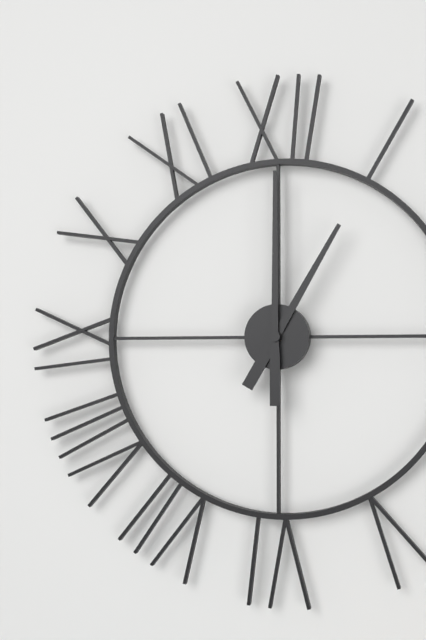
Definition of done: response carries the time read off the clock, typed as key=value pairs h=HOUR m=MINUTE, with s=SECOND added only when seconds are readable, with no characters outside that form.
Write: h=1 m=0
